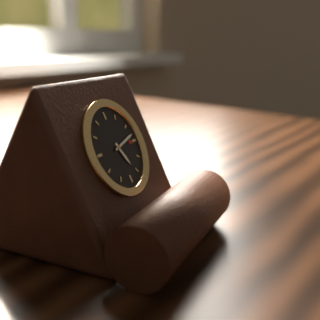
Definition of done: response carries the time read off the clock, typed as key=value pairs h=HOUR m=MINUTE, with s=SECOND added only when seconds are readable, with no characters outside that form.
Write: h=5 m=13
